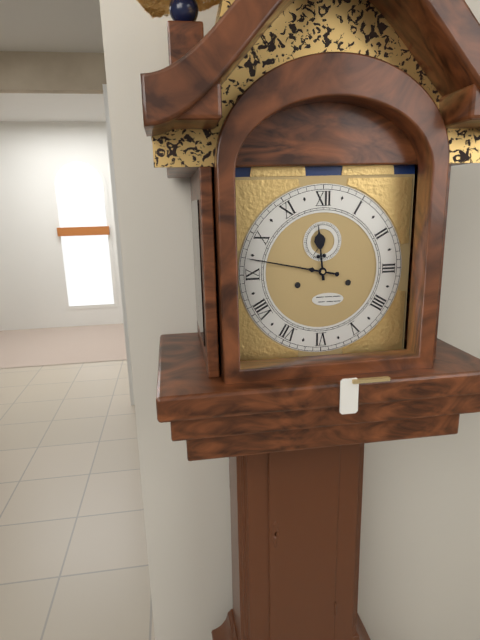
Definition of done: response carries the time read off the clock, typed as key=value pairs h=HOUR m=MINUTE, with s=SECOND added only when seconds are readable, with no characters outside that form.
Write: h=11 m=47
